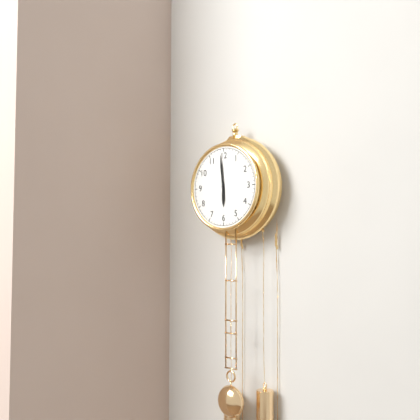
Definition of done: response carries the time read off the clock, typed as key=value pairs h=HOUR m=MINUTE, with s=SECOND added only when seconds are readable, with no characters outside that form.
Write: h=5 m=59
